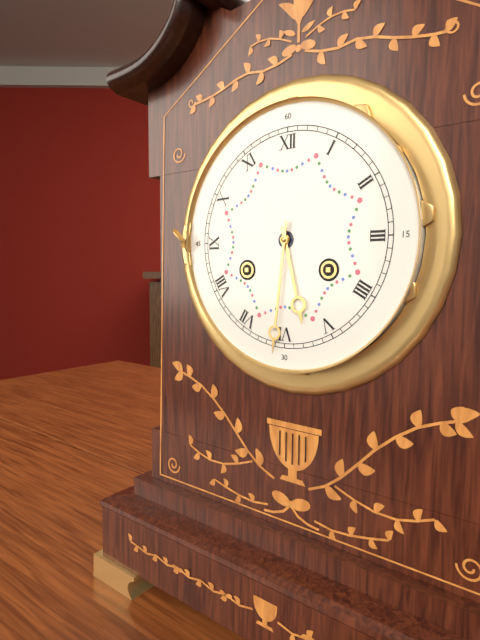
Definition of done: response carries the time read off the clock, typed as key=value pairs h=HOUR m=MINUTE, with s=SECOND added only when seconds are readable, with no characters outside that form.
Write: h=5 m=31
